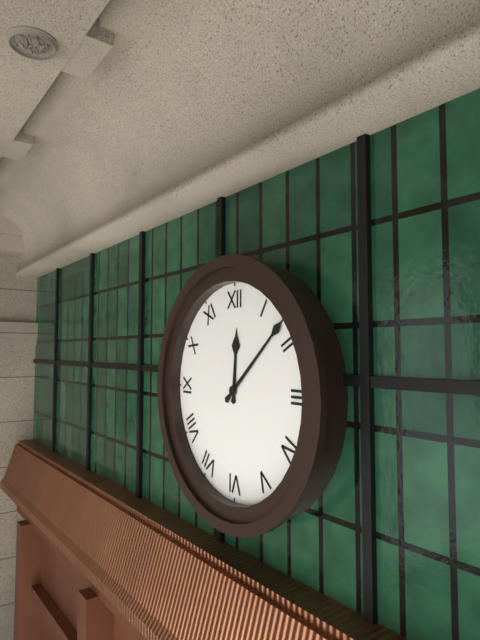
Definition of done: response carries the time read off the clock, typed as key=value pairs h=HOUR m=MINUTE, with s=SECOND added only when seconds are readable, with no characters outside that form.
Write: h=12 m=8
